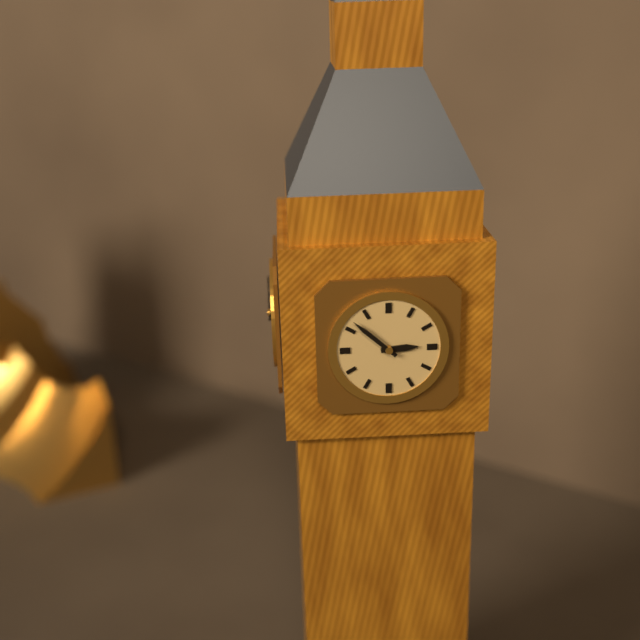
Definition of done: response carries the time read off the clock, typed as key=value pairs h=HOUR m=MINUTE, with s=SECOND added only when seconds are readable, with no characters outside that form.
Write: h=2 m=52
